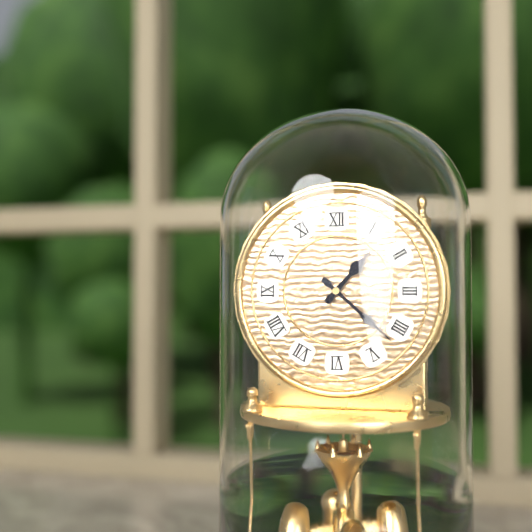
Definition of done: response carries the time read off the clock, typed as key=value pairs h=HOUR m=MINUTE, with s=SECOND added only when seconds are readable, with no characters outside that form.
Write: h=1 m=22
